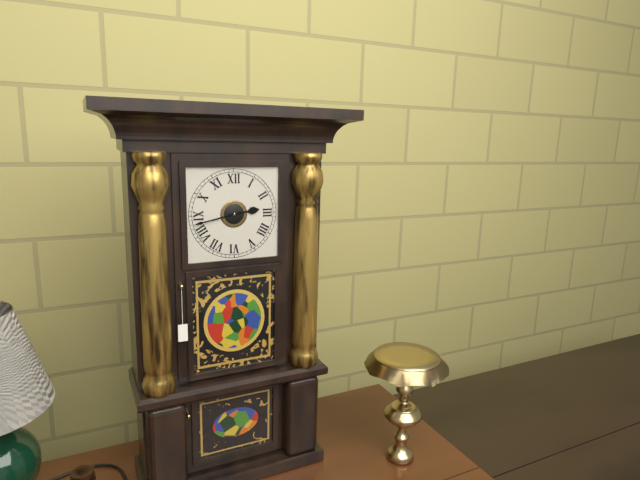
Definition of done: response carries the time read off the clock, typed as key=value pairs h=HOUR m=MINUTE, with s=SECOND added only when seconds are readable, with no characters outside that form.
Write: h=2 m=43
